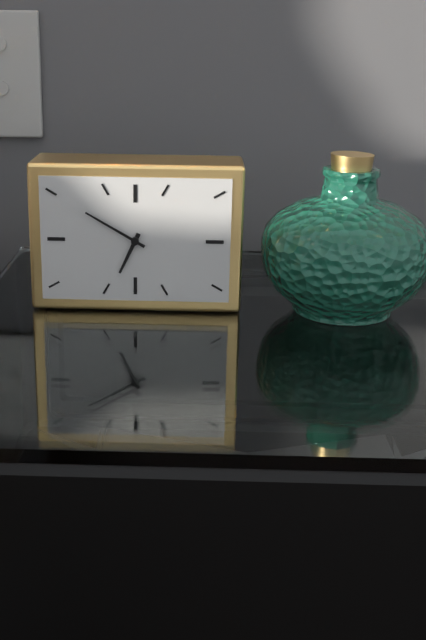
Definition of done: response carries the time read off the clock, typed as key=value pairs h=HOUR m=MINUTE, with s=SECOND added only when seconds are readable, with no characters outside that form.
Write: h=6 m=50
